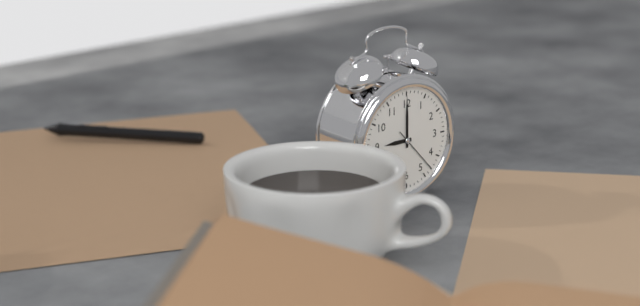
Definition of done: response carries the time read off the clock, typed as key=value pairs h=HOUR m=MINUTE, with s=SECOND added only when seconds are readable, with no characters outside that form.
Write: h=9 m=0
